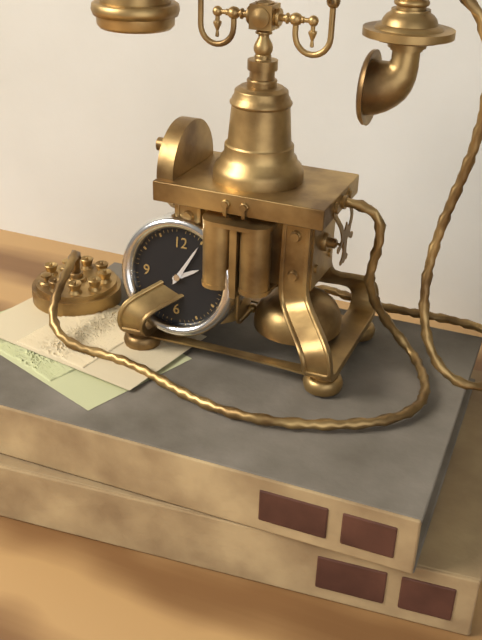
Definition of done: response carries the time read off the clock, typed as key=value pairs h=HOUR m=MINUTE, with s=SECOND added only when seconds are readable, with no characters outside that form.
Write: h=2 m=5
